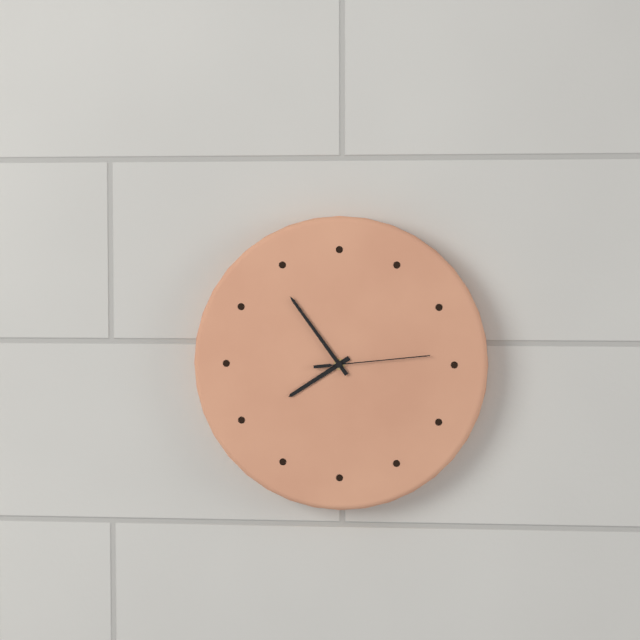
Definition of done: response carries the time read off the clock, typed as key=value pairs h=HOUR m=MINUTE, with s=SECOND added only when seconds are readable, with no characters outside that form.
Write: h=7 m=54 s=14
